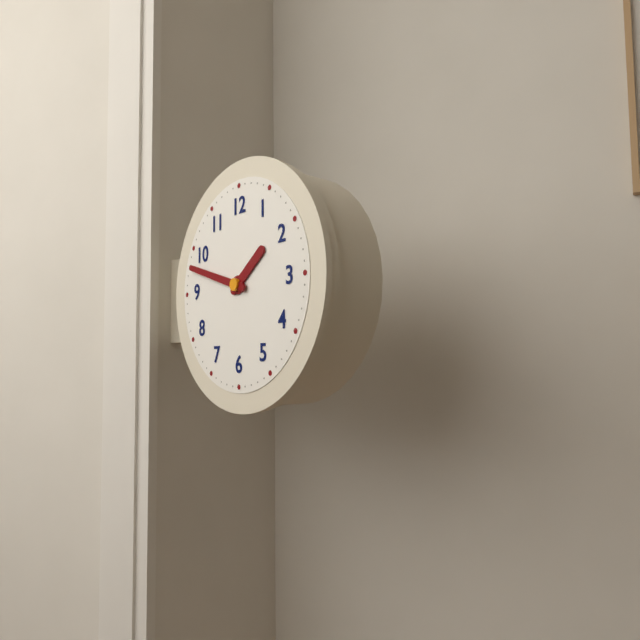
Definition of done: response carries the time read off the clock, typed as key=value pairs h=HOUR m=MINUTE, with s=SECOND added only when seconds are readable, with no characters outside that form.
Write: h=1 m=48
